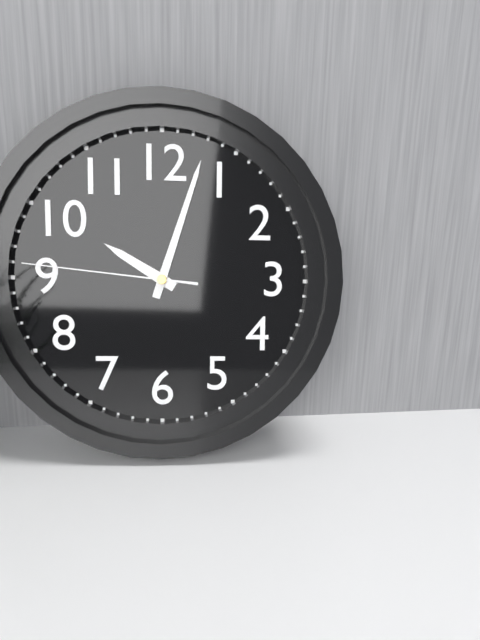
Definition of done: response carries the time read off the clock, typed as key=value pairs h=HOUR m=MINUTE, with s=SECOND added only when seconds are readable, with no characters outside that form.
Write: h=10 m=3 s=46
